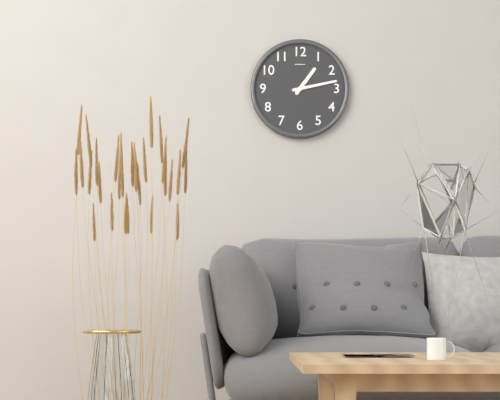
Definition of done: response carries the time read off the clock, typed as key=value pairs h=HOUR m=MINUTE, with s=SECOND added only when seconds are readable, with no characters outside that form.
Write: h=1 m=13
